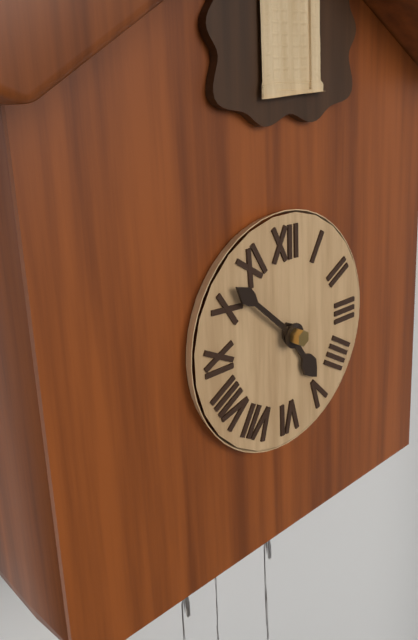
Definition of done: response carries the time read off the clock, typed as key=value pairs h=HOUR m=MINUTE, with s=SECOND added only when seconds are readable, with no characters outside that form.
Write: h=4 m=52
